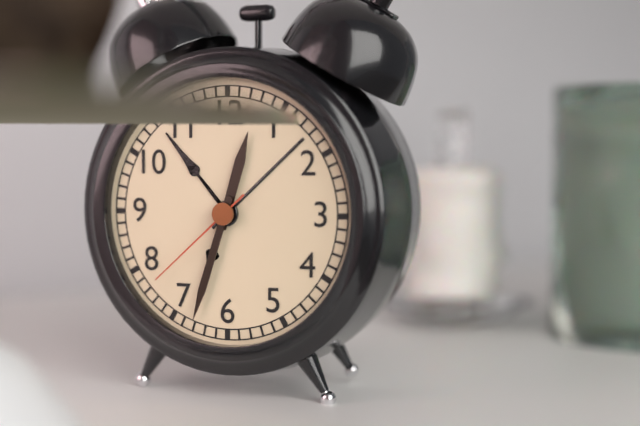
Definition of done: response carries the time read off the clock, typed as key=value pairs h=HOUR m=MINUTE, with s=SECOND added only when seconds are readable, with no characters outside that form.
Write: h=12 m=33 s=38
